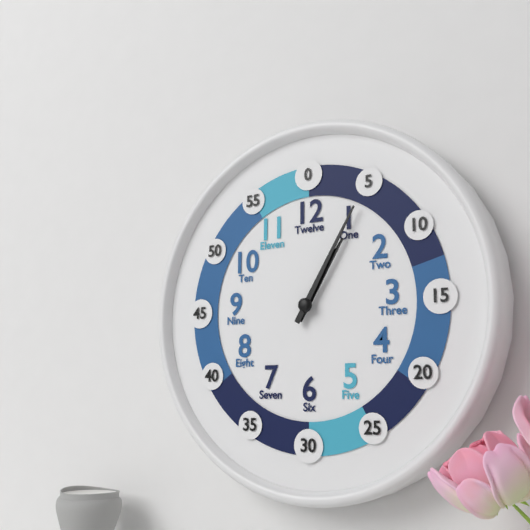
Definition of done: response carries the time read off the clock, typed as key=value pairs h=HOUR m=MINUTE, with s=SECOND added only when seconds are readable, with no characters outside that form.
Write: h=1 m=5
